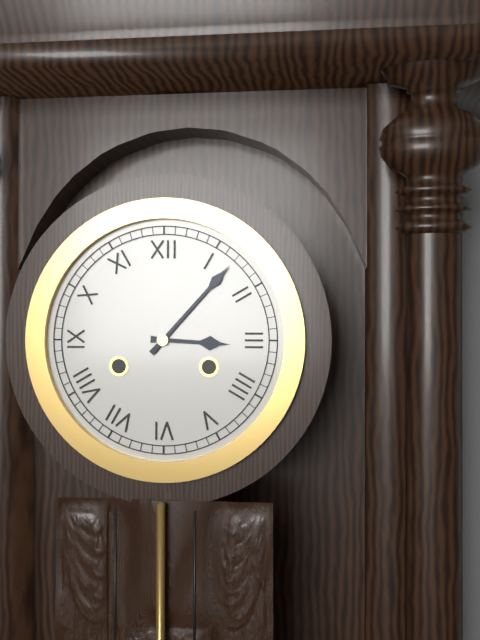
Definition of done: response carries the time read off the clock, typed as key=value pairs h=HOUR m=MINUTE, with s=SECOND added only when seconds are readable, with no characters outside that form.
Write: h=3 m=7
